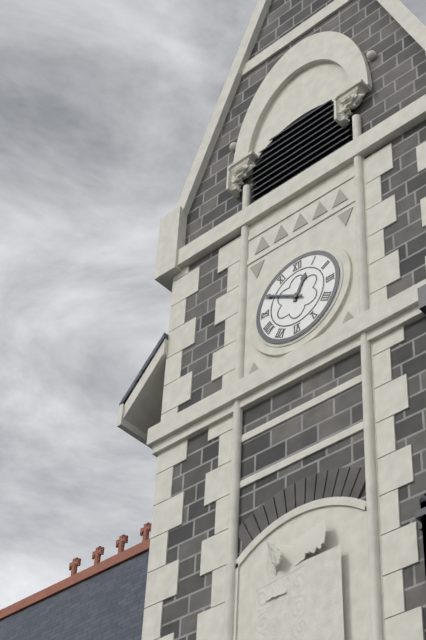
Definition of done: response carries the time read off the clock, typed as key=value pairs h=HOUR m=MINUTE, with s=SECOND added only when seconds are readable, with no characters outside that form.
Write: h=12 m=50
